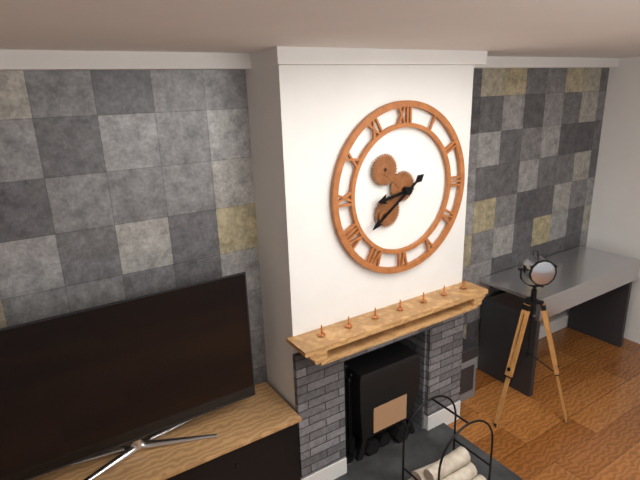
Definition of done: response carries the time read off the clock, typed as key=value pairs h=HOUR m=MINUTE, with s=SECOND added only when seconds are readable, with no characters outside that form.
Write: h=8 m=39
